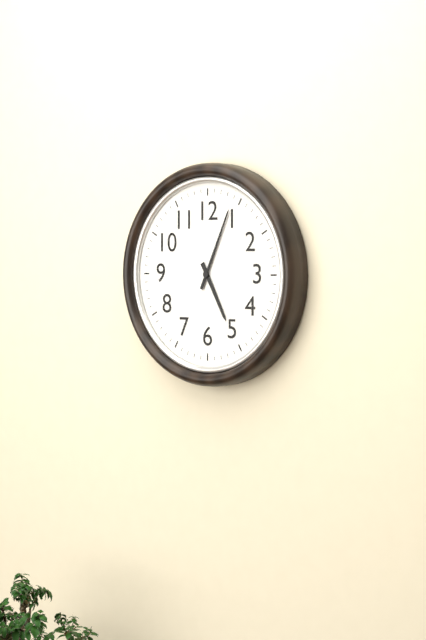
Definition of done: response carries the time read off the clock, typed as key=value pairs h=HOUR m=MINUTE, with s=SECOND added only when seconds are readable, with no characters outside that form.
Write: h=5 m=4
